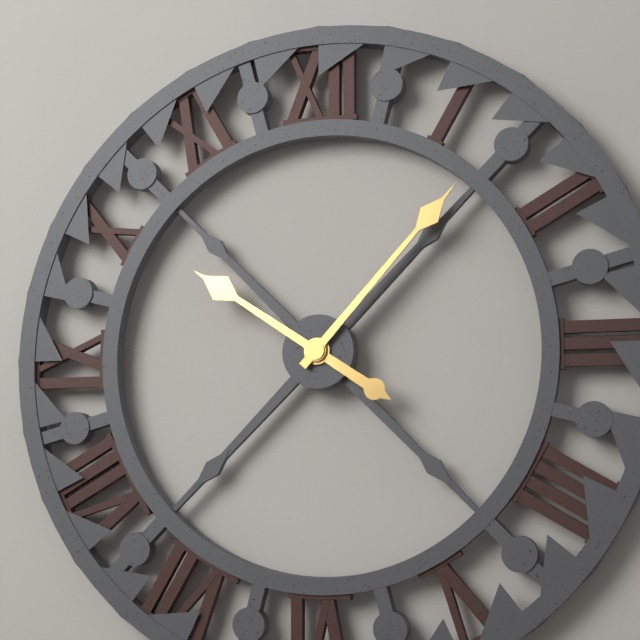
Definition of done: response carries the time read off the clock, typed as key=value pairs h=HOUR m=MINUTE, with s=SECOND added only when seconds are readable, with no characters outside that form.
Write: h=10 m=7
